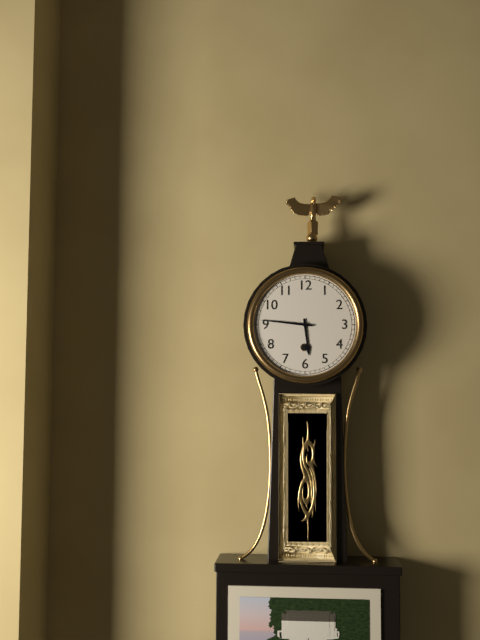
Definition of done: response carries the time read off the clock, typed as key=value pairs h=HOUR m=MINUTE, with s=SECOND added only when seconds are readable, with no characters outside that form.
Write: h=5 m=46
